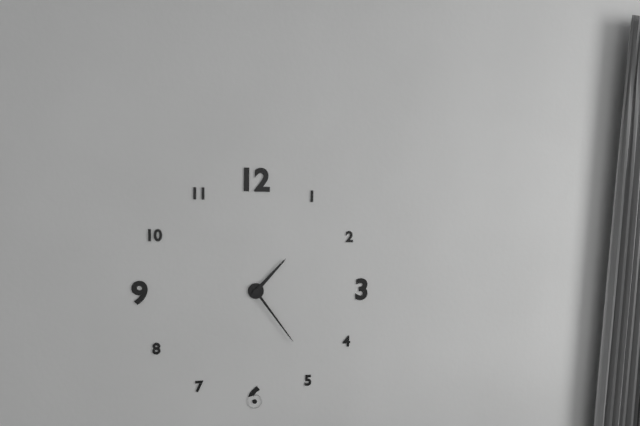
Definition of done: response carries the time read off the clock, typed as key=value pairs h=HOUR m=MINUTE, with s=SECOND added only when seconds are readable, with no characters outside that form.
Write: h=1 m=24
